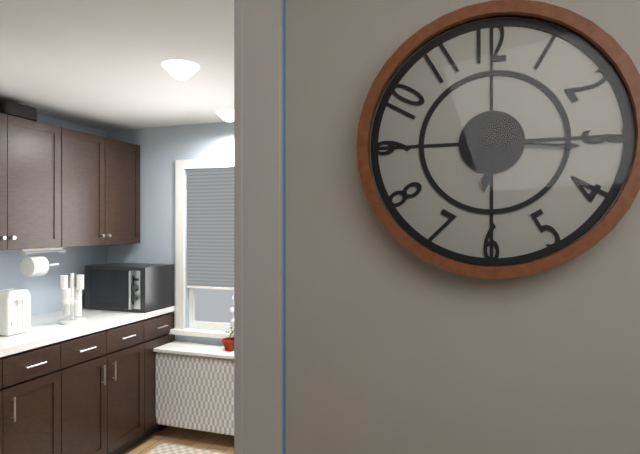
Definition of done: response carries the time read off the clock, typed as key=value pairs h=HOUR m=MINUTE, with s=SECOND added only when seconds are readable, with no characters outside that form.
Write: h=6 m=16
